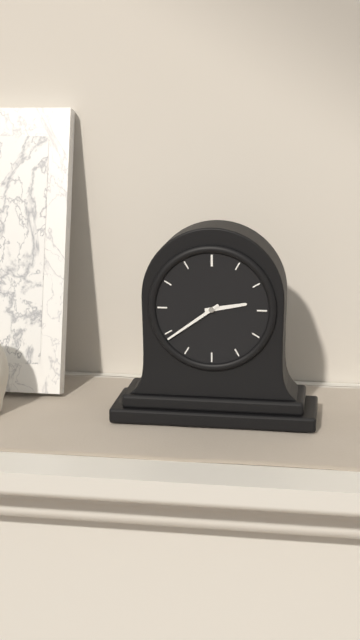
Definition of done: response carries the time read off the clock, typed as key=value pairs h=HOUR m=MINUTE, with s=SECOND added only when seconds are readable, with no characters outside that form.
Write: h=2 m=39
